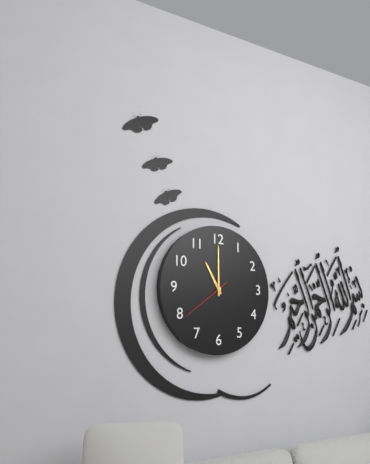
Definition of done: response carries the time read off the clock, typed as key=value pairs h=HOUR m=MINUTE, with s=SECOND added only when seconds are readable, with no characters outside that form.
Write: h=11 m=0 s=39
